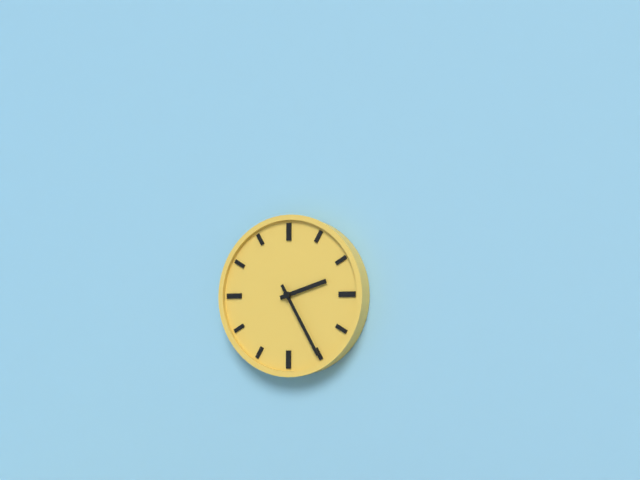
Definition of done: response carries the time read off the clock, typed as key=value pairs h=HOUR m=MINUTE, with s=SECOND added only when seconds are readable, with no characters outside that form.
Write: h=2 m=25
